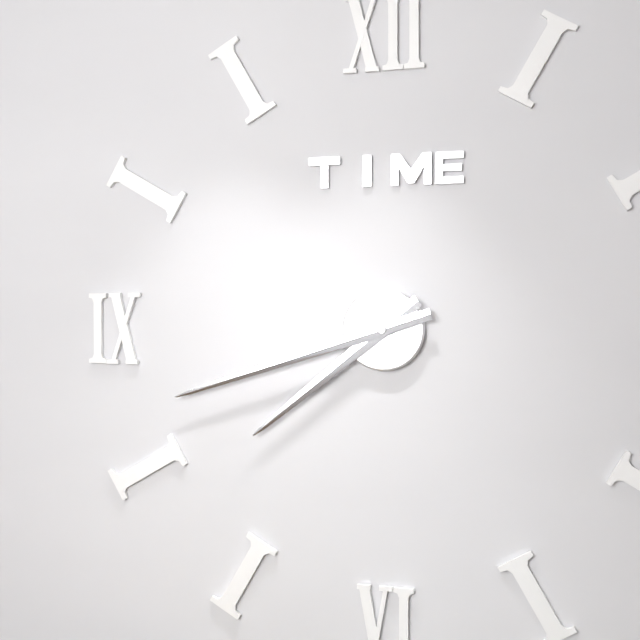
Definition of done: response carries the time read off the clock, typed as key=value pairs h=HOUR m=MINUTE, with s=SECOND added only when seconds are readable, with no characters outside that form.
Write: h=7 m=42
